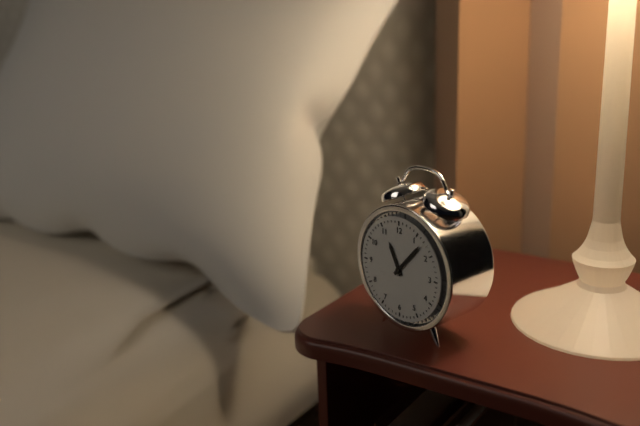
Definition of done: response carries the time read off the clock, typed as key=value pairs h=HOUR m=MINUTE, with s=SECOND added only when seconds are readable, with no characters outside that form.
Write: h=11 m=7
